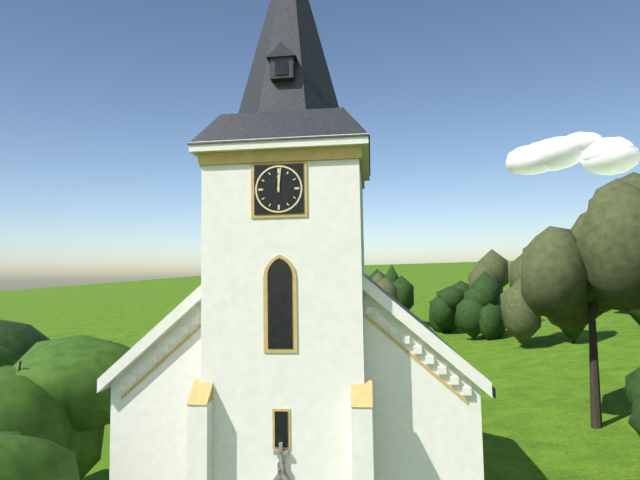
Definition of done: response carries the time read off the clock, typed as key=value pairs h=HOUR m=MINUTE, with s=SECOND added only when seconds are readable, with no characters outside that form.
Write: h=12 m=1
